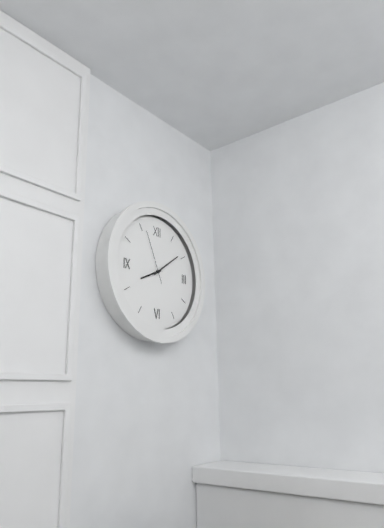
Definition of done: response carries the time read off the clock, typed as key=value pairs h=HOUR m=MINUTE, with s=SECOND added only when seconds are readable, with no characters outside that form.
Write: h=8 m=9 s=56
